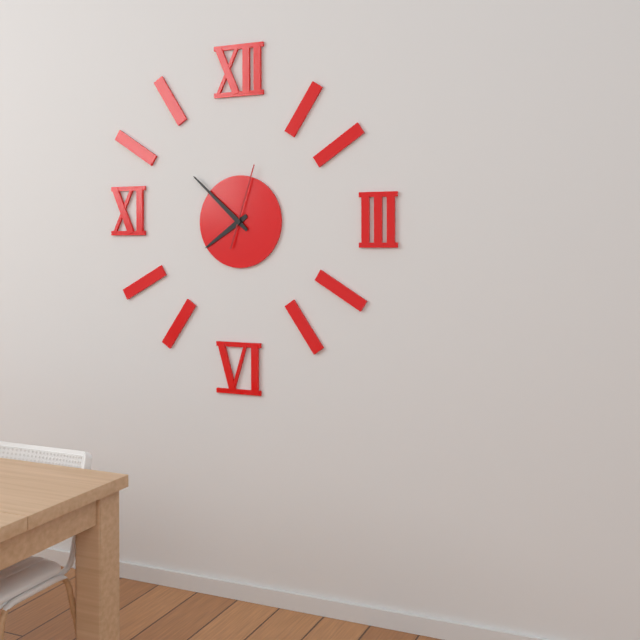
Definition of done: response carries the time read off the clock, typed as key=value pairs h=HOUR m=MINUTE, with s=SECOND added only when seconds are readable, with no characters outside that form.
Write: h=7 m=52 s=3
